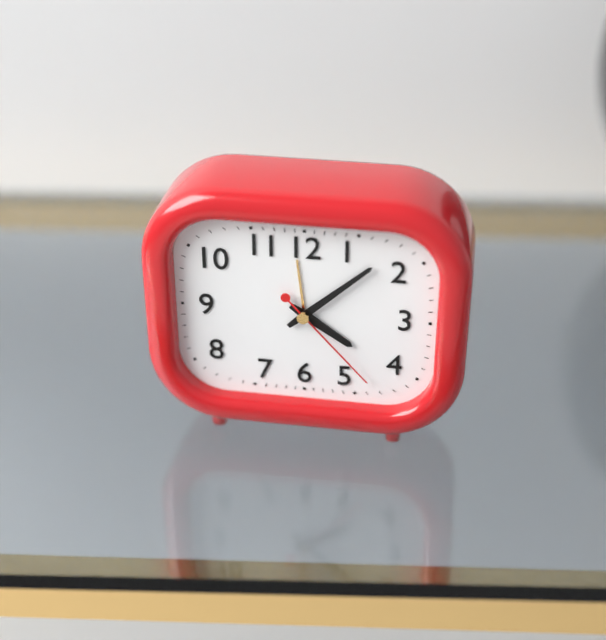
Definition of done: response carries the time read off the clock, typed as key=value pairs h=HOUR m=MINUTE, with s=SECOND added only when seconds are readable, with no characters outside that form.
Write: h=4 m=8 s=23
